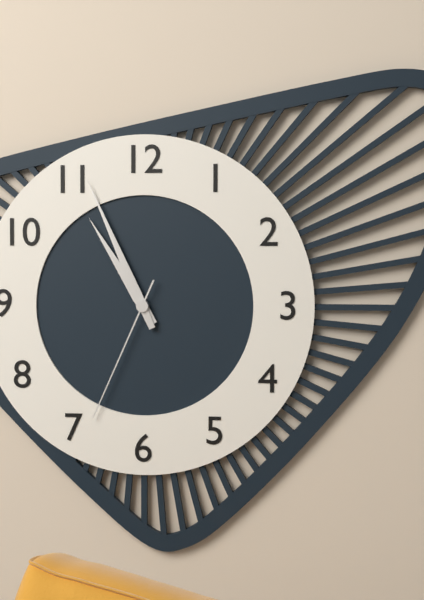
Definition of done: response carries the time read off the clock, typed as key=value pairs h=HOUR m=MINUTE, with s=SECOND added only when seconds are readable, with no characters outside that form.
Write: h=10 m=56 s=34
